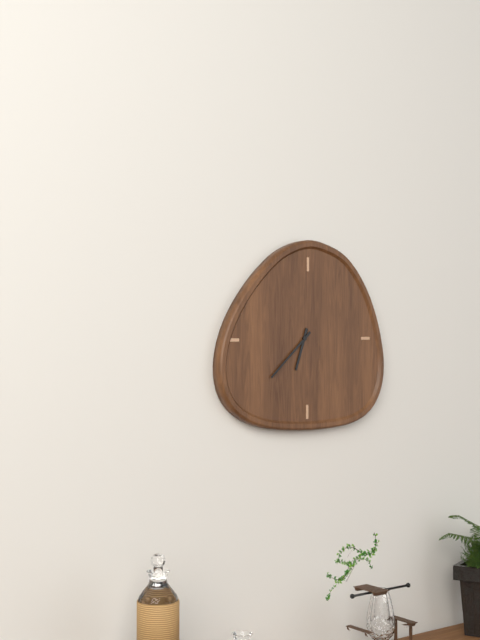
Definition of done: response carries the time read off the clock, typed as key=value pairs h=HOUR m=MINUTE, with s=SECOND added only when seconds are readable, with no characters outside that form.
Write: h=6 m=38
